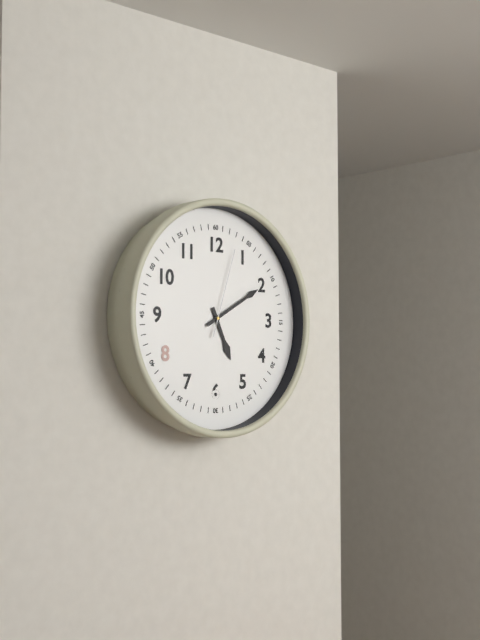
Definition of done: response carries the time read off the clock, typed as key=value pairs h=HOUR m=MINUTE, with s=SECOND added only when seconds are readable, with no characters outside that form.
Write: h=5 m=10 s=3
